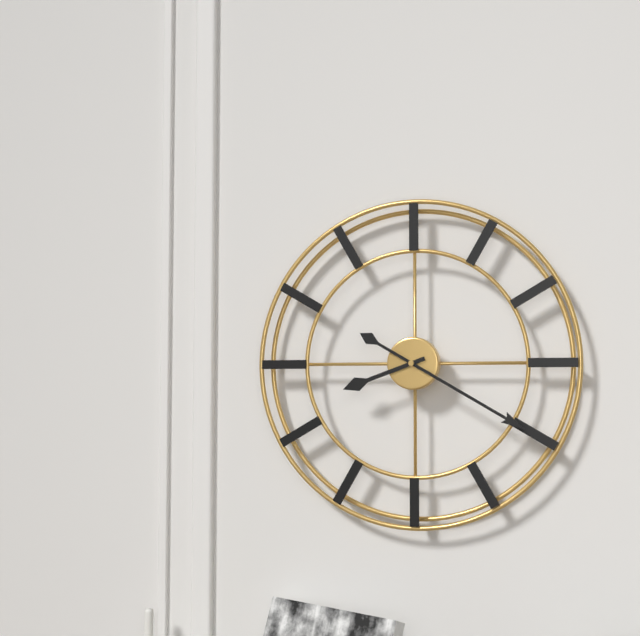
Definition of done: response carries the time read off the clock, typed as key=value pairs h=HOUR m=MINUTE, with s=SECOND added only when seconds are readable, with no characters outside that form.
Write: h=8 m=20
